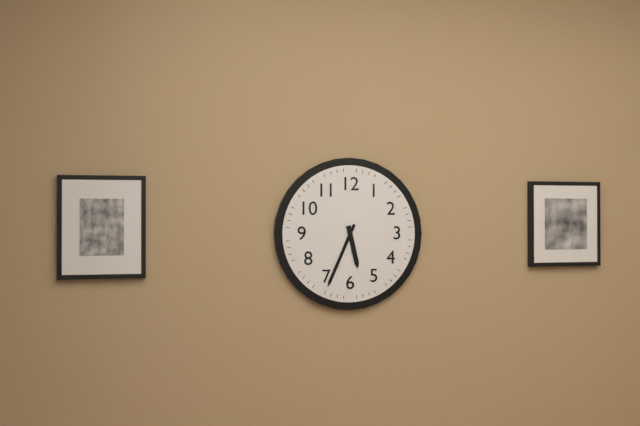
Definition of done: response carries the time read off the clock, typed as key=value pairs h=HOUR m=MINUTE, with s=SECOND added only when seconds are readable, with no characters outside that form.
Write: h=5 m=34
